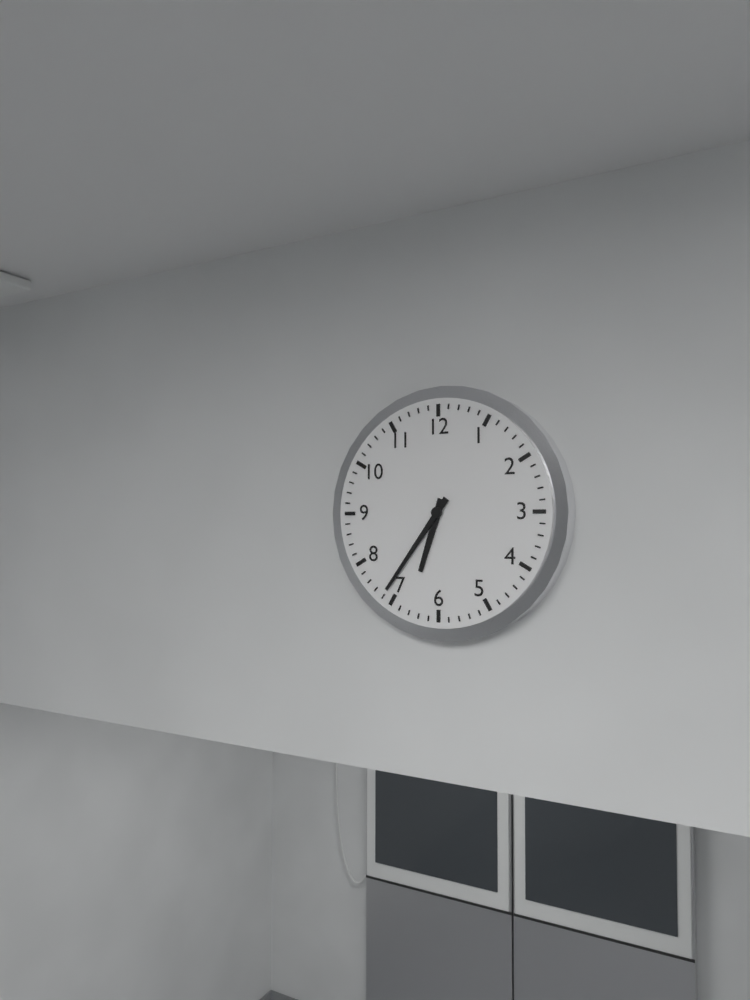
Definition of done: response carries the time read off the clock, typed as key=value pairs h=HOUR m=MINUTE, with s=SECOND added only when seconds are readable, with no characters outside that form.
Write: h=6 m=36
